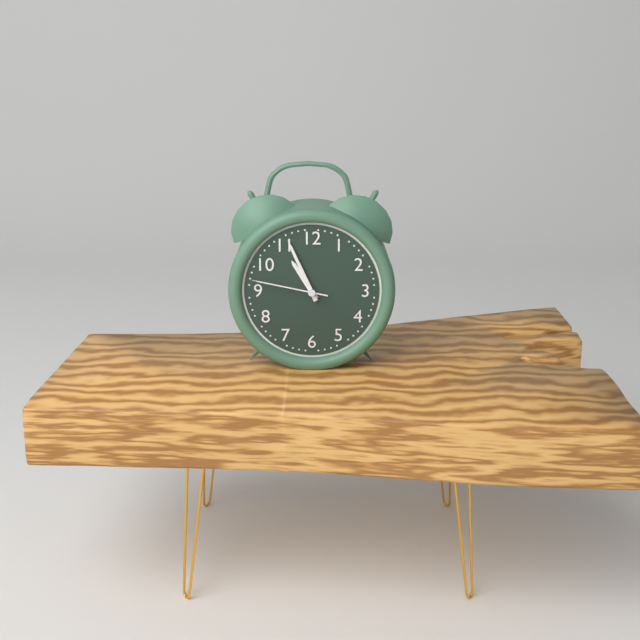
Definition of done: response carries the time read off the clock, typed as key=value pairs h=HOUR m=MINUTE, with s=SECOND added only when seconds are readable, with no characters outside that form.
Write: h=10 m=56 s=47
